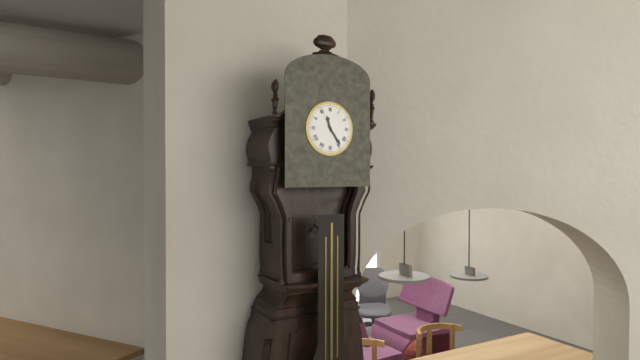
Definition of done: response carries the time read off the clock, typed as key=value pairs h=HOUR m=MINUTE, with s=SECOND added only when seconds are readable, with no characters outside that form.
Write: h=11 m=24
